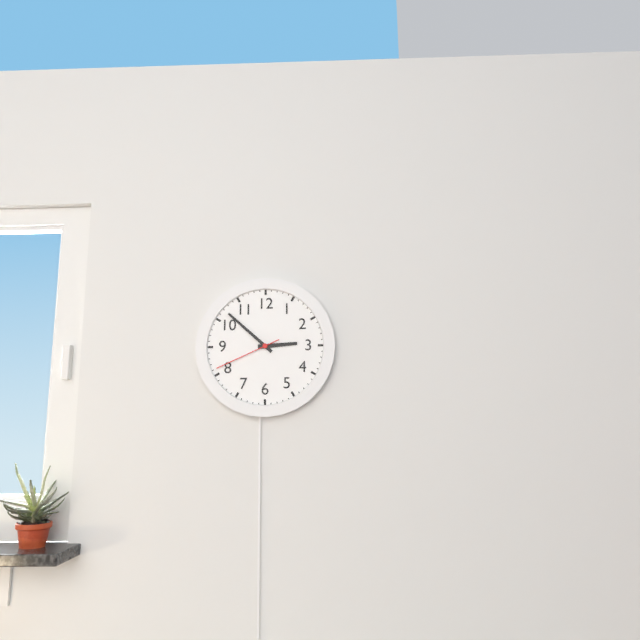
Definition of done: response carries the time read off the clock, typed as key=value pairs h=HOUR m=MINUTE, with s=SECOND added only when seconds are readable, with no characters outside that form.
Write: h=2 m=52 s=41
